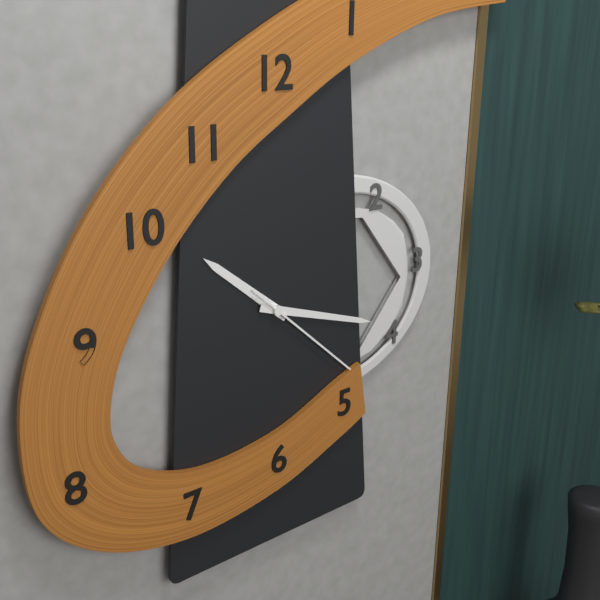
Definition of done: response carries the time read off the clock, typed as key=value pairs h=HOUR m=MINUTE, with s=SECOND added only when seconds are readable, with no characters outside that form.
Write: h=10 m=18 s=22
